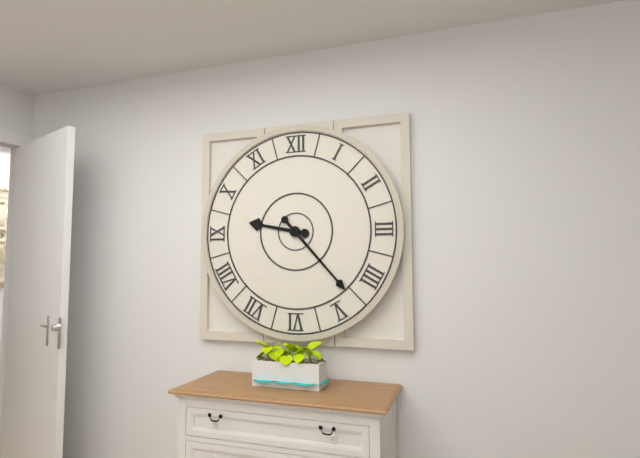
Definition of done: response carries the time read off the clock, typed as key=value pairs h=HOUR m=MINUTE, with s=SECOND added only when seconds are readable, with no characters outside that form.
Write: h=9 m=23
